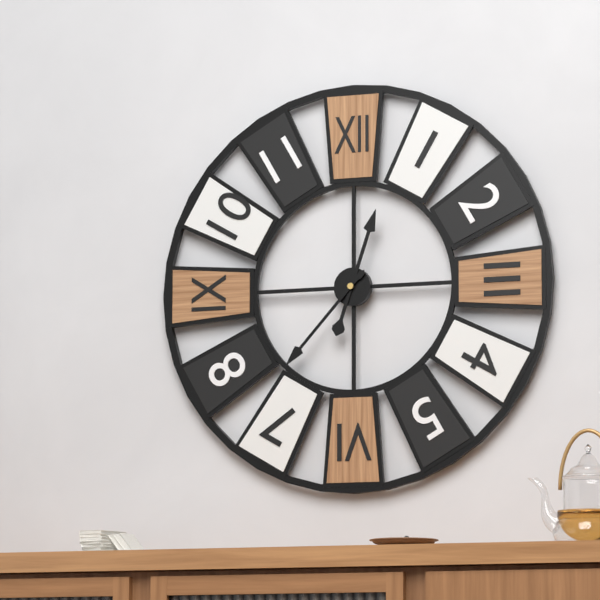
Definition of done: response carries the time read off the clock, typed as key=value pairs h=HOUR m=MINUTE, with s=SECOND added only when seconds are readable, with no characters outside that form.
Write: h=12 m=37
